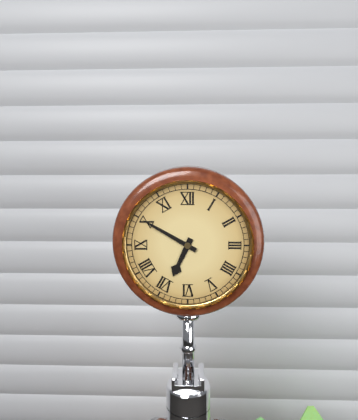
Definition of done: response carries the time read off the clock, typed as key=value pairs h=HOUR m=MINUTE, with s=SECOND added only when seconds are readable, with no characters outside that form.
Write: h=6 m=50
